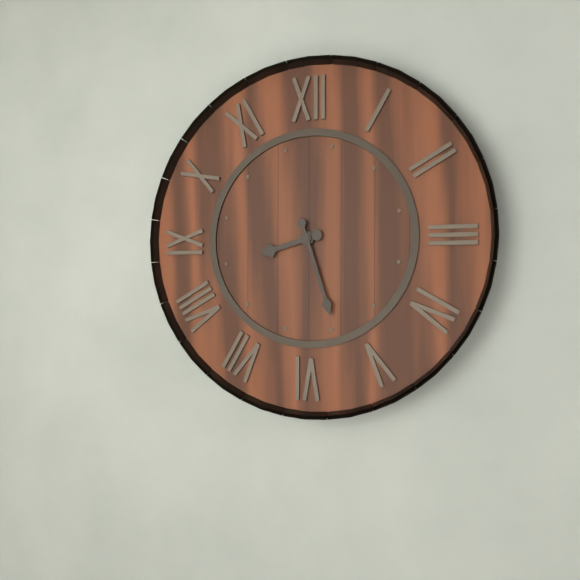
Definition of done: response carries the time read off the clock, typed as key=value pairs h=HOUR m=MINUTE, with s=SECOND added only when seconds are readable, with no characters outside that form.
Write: h=8 m=27
